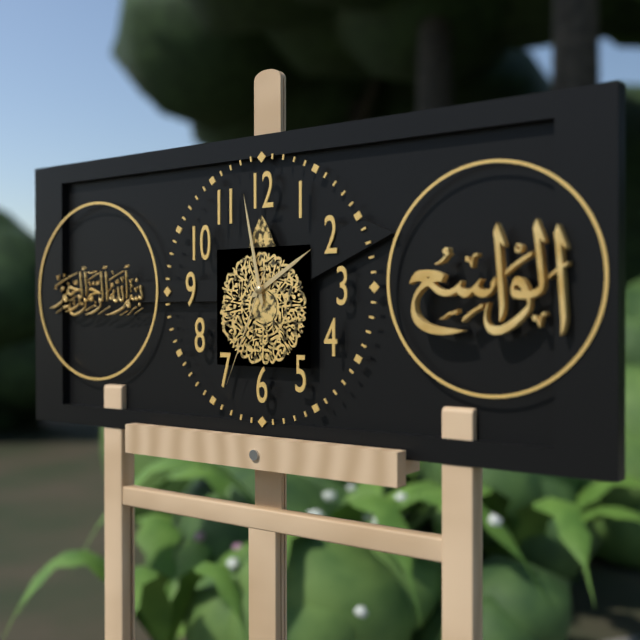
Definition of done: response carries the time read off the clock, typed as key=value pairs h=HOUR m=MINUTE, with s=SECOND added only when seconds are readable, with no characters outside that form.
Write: h=1 m=58 s=34
